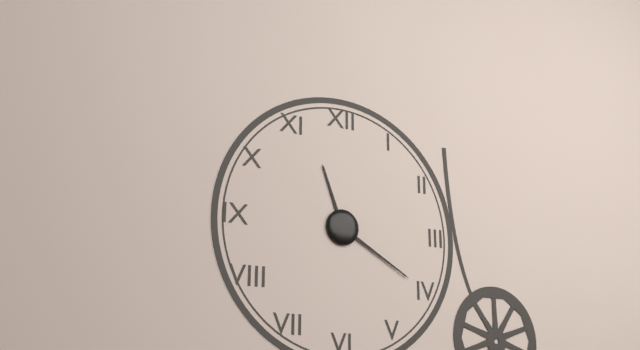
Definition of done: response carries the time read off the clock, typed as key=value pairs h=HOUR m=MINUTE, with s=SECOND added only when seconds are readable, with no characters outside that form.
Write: h=11 m=20
